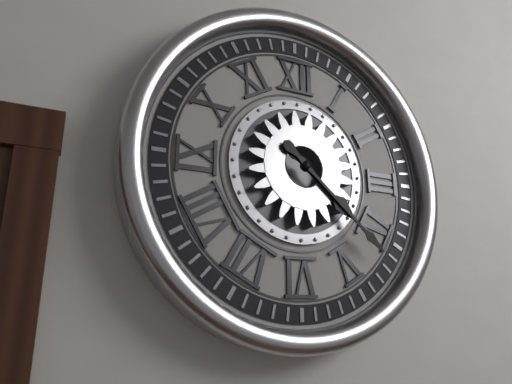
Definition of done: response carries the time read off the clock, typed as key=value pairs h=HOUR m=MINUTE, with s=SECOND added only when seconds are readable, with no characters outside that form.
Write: h=4 m=22
